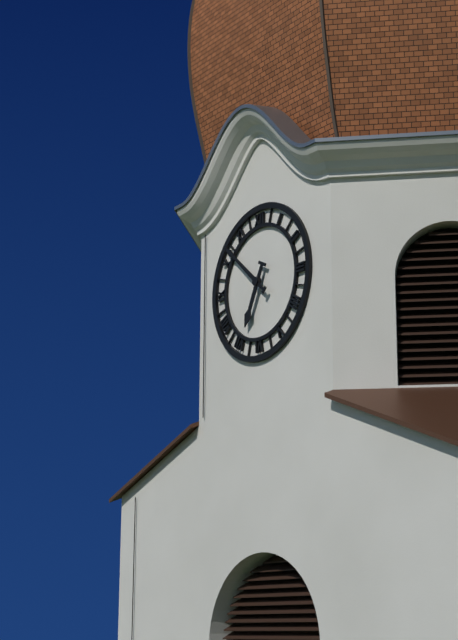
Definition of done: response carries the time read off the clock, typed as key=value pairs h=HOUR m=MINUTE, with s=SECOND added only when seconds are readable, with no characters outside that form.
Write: h=6 m=52
